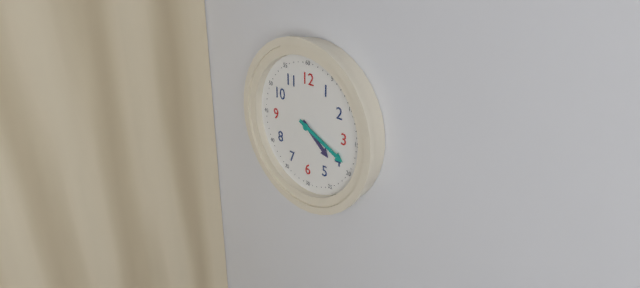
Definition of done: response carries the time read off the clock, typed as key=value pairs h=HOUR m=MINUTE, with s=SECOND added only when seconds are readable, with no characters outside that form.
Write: h=4 m=19
